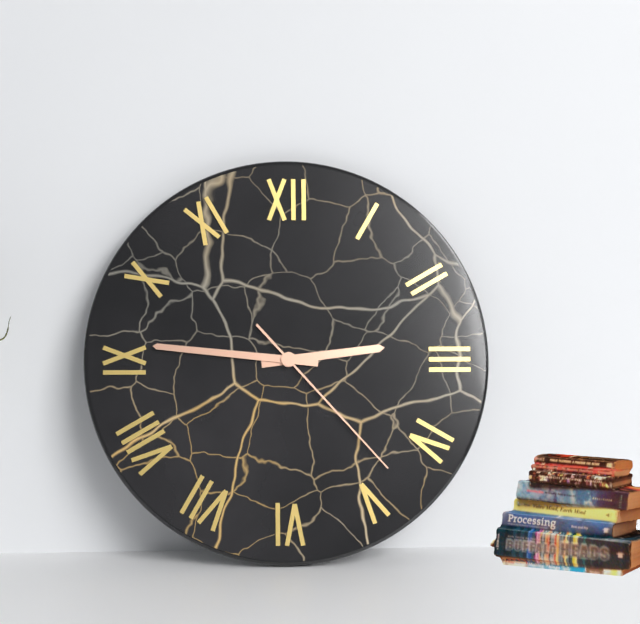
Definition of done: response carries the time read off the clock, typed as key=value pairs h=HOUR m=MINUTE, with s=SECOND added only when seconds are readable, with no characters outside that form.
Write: h=2 m=46 s=23
